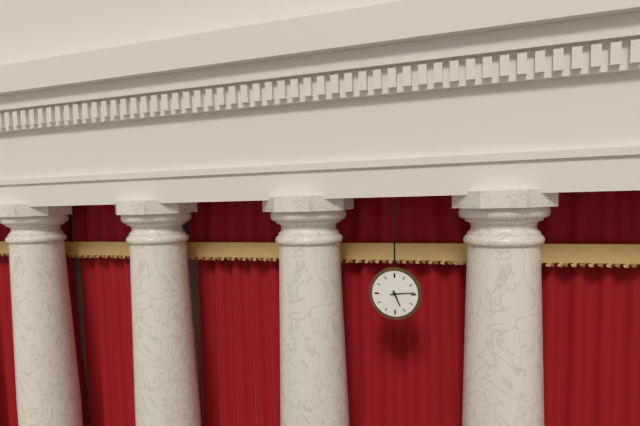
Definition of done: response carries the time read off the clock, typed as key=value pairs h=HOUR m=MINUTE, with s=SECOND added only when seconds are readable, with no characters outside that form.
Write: h=5 m=14
